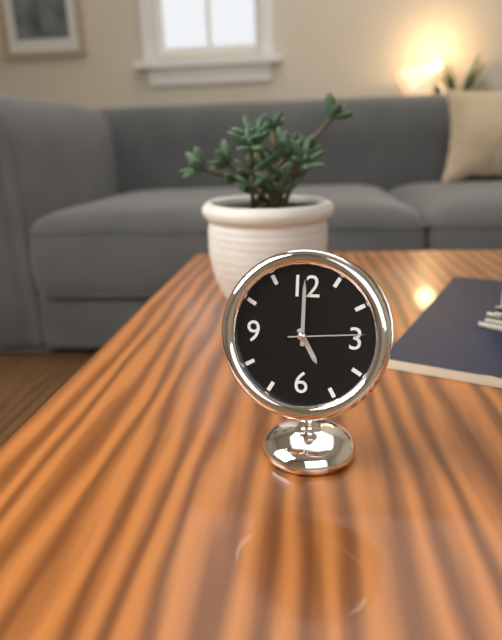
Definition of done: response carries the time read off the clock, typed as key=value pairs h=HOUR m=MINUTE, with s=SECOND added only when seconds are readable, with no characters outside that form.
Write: h=5 m=0 s=14
